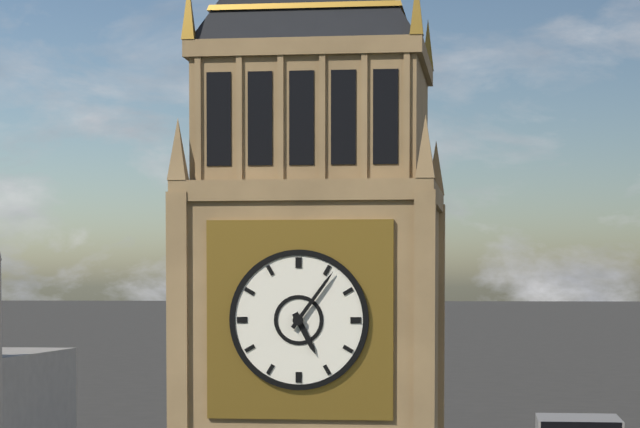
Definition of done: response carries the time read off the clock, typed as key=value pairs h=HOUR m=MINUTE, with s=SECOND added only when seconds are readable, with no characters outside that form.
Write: h=5 m=6
